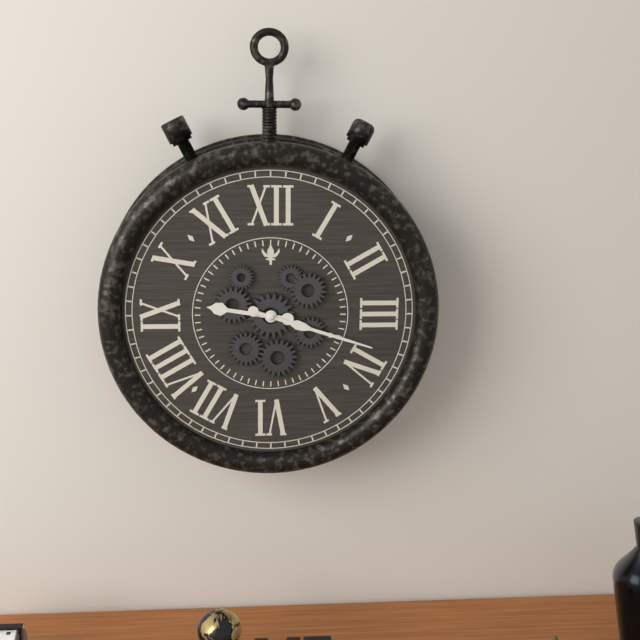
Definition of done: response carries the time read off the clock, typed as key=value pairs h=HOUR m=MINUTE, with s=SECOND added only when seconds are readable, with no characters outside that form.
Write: h=9 m=18
